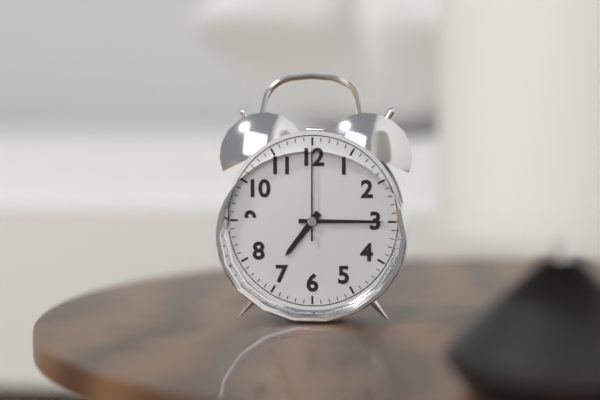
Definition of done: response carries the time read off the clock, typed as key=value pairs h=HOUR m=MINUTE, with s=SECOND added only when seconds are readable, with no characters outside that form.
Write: h=7 m=15 s=0
